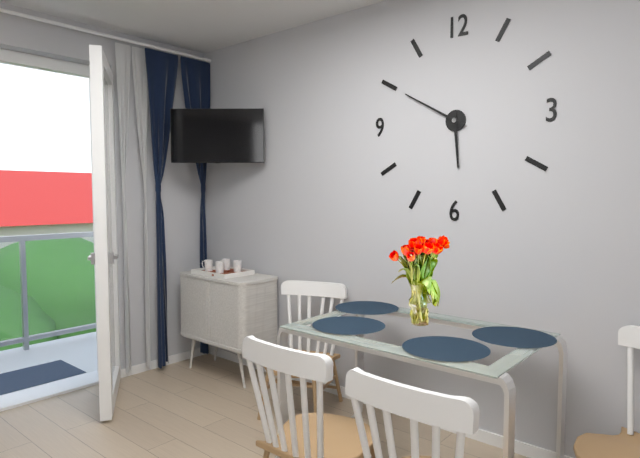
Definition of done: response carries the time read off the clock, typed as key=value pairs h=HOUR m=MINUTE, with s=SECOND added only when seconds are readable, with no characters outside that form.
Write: h=5 m=50
